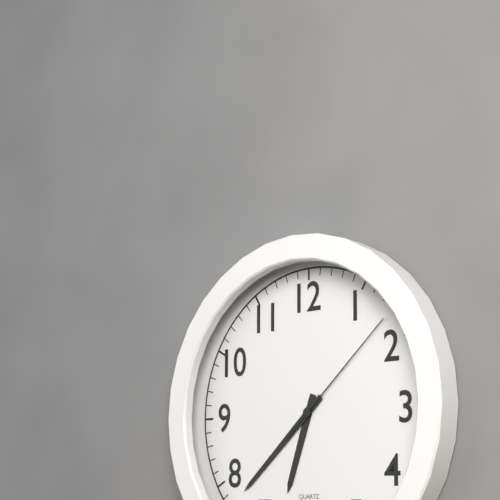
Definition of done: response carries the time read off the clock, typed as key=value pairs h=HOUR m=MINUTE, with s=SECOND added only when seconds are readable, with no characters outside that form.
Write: h=6 m=38 s=8
